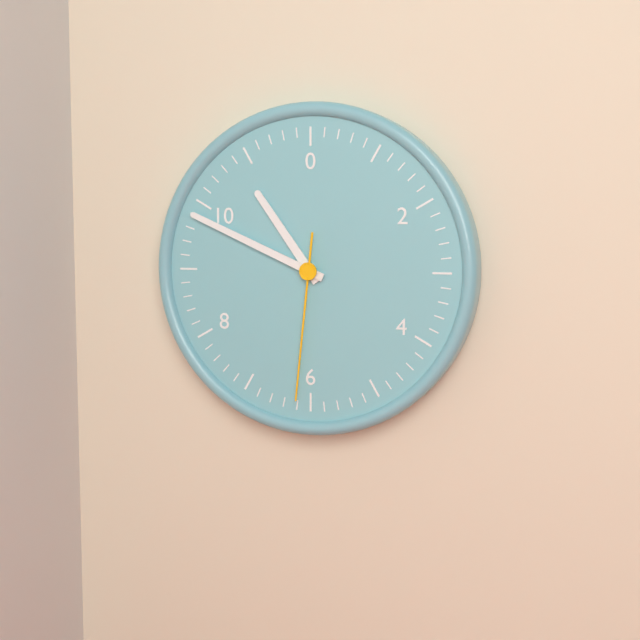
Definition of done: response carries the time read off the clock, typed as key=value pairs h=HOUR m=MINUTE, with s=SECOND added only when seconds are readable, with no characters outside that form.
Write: h=10 m=49 s=31
